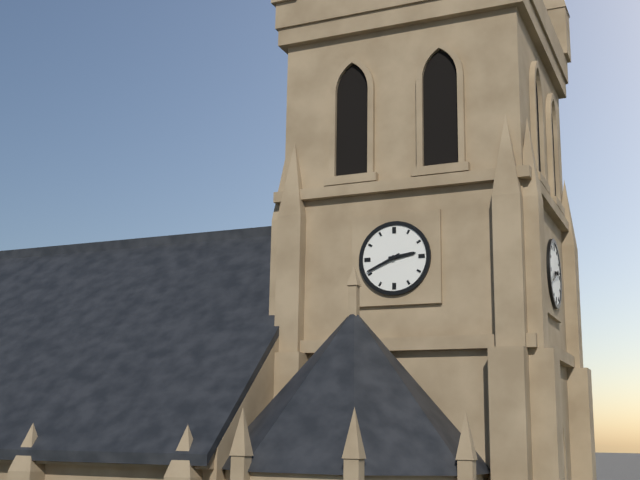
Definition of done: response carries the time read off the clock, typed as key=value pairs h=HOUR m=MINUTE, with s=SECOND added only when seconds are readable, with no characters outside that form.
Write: h=2 m=41
